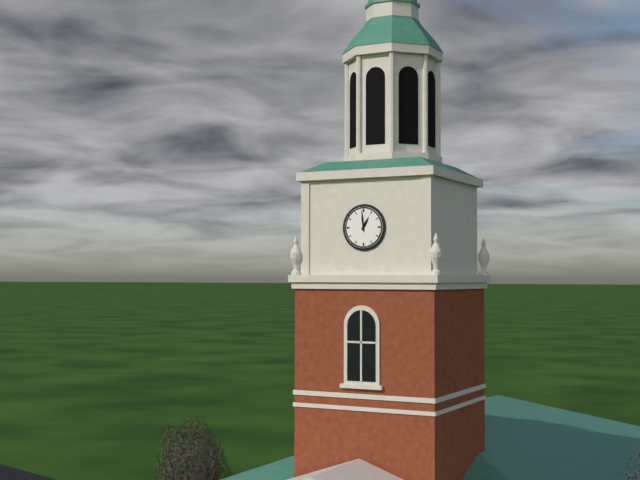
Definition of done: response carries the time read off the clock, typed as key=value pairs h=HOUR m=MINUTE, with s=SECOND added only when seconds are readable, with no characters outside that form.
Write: h=12 m=59
